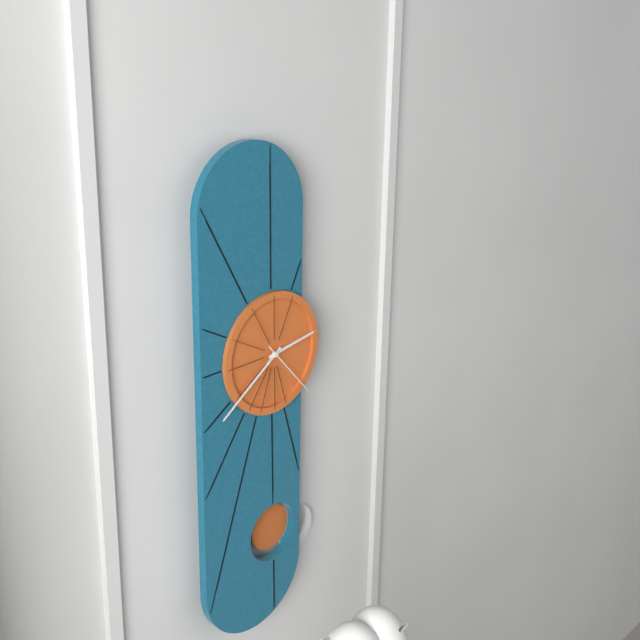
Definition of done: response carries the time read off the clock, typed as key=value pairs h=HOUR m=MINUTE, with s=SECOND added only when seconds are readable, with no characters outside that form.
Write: h=2 m=39 s=23
